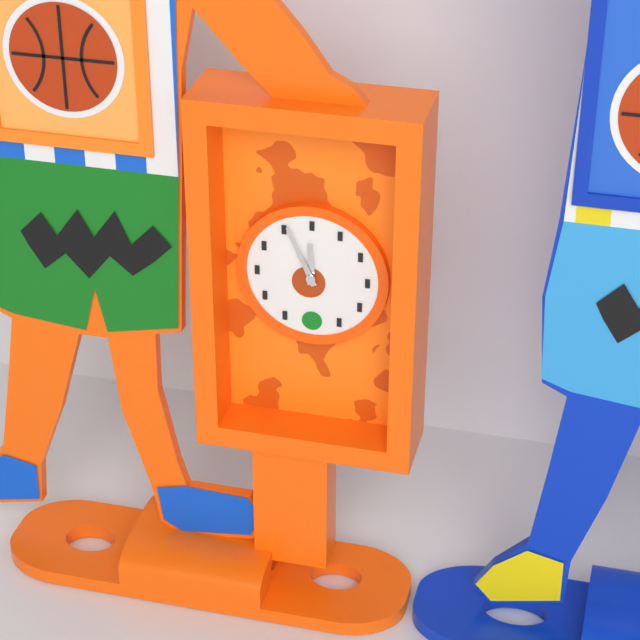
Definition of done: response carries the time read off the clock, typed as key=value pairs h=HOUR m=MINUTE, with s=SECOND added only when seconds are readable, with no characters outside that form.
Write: h=11 m=56
